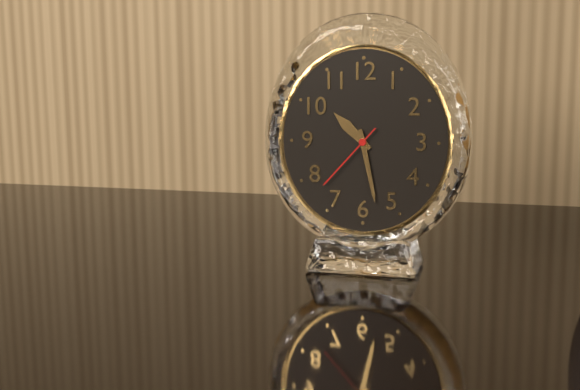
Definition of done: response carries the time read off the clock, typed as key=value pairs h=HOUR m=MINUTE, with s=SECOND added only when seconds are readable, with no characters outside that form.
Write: h=10 m=28 s=37
